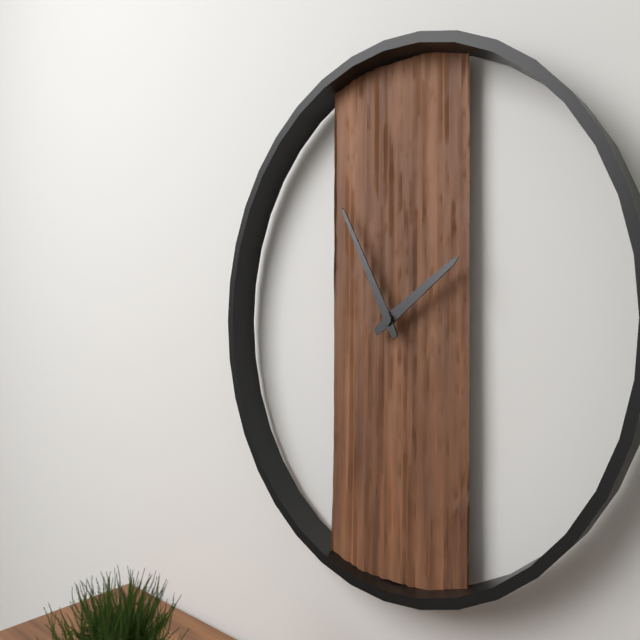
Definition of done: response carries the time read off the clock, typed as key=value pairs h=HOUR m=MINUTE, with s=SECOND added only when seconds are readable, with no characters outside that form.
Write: h=1 m=55
